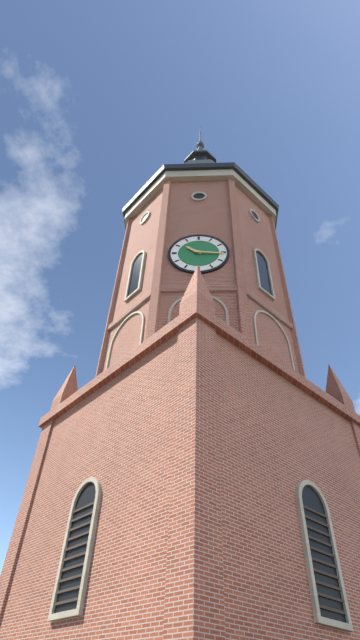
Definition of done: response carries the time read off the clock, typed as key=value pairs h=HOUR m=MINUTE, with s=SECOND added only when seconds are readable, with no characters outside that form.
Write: h=10 m=16
